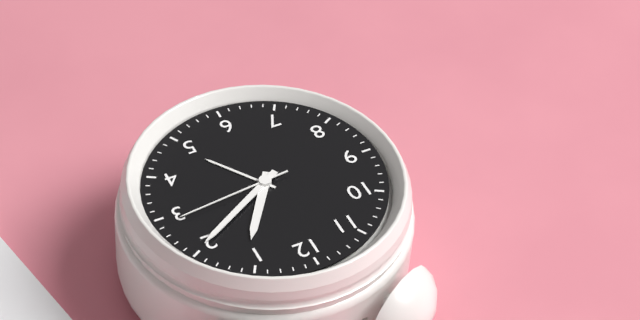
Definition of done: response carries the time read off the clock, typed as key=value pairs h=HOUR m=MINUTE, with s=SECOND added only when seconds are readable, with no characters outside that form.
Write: h=1 m=10 s=14
